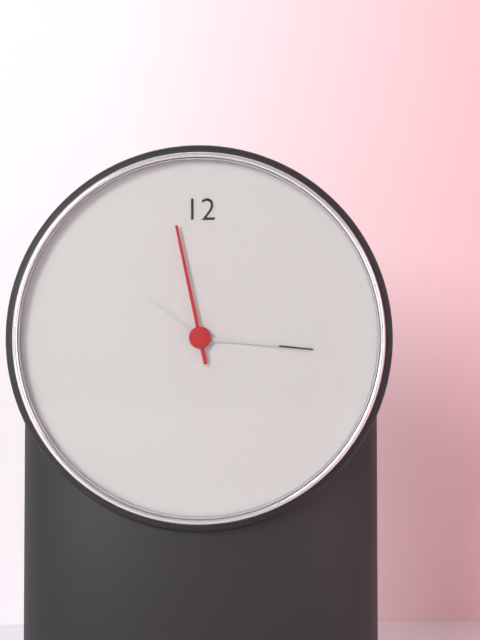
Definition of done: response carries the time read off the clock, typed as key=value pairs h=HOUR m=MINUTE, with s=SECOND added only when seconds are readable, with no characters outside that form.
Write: h=10 m=16 s=58
